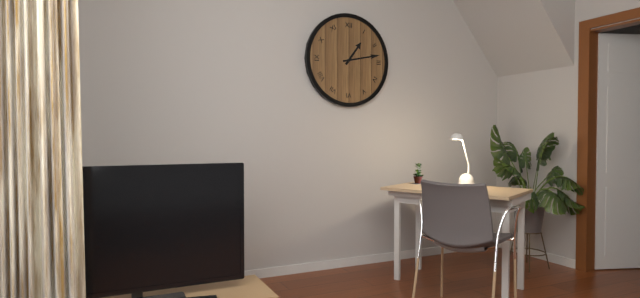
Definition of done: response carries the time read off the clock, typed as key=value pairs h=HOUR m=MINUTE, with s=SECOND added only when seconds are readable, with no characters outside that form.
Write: h=1 m=13
